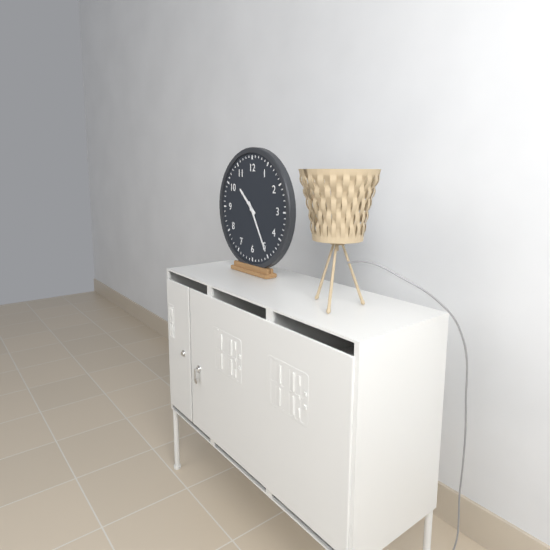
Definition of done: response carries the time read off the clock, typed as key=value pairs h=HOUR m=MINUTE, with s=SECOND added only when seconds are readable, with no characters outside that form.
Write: h=10 m=25
